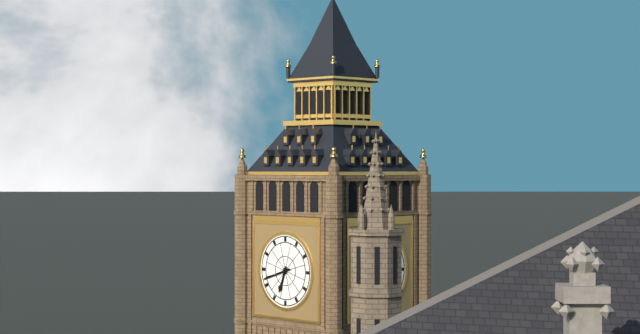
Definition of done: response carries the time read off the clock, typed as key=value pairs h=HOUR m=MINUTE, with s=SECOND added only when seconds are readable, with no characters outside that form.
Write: h=6 m=42
